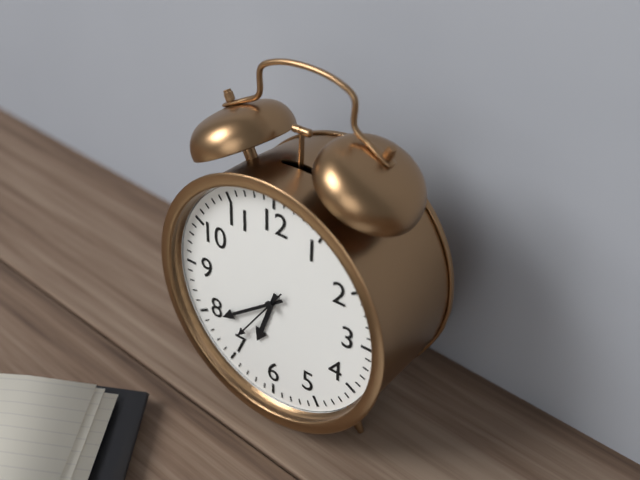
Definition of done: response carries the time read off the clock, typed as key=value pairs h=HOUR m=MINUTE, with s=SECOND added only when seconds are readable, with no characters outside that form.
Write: h=6 m=39 s=36
